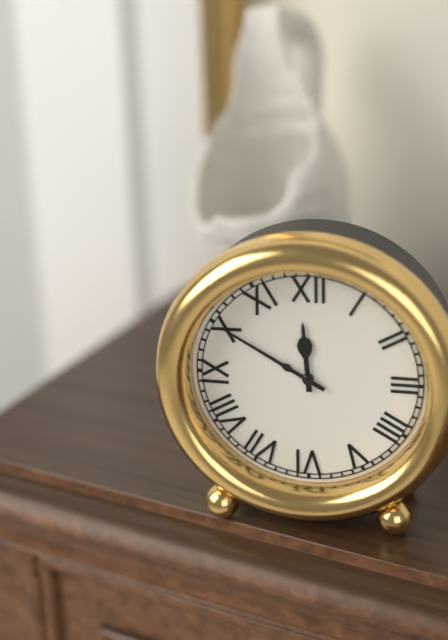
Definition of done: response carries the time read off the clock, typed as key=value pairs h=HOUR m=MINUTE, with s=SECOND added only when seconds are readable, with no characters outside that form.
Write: h=11 m=50
